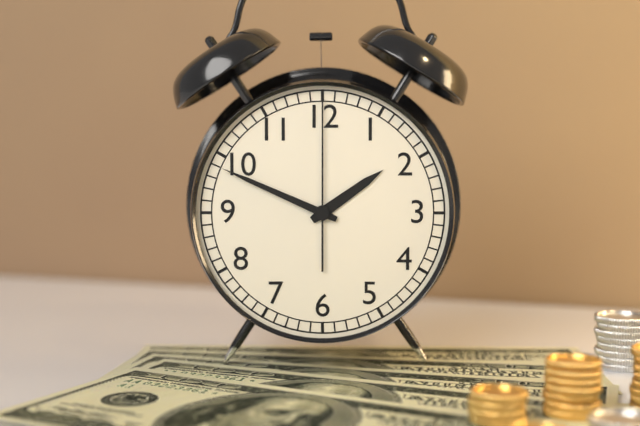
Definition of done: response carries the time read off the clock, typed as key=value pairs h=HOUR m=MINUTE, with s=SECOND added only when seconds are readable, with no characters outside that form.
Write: h=1 m=49 s=0
